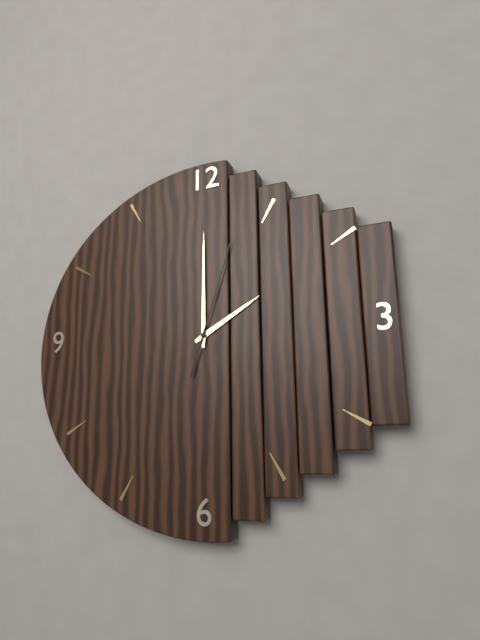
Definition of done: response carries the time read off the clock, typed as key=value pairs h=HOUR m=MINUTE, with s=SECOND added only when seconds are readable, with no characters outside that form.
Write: h=2 m=0 s=3
